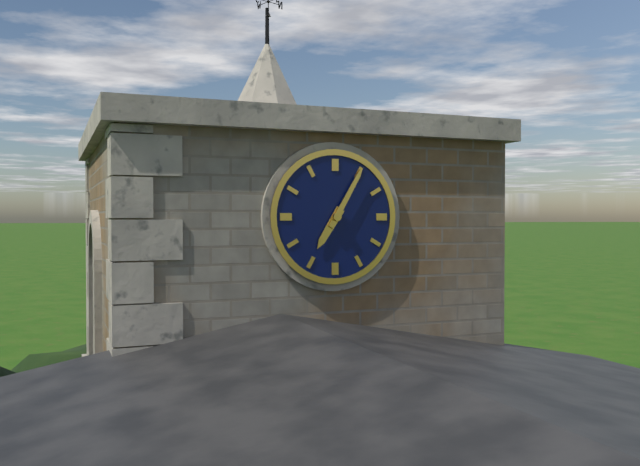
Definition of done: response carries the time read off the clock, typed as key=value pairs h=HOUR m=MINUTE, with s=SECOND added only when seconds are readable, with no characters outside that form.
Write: h=7 m=5
